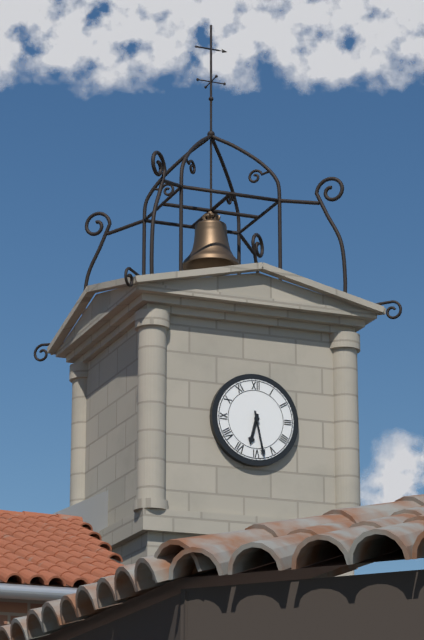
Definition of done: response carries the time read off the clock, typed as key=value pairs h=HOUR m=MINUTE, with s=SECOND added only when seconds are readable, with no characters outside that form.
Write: h=6 m=28
